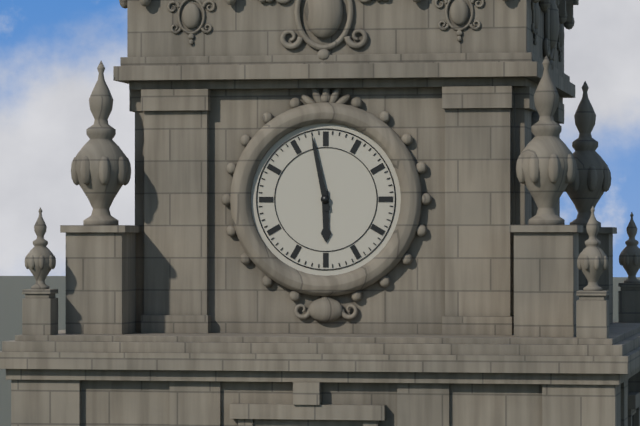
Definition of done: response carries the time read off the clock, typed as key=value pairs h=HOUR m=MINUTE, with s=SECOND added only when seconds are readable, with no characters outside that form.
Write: h=5 m=58
